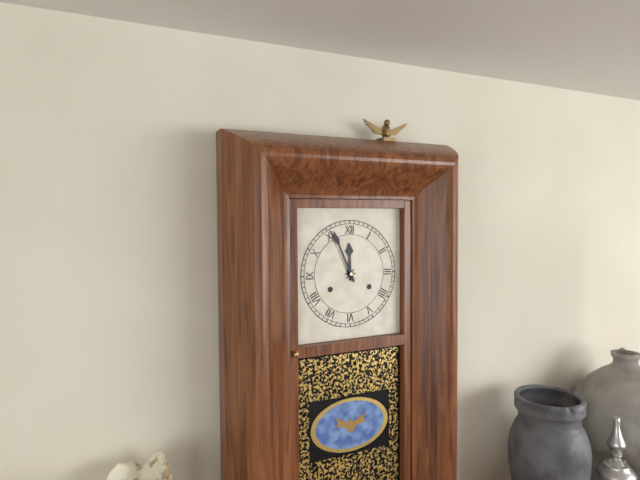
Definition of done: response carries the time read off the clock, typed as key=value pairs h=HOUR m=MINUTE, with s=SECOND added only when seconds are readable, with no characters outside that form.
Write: h=11 m=56
